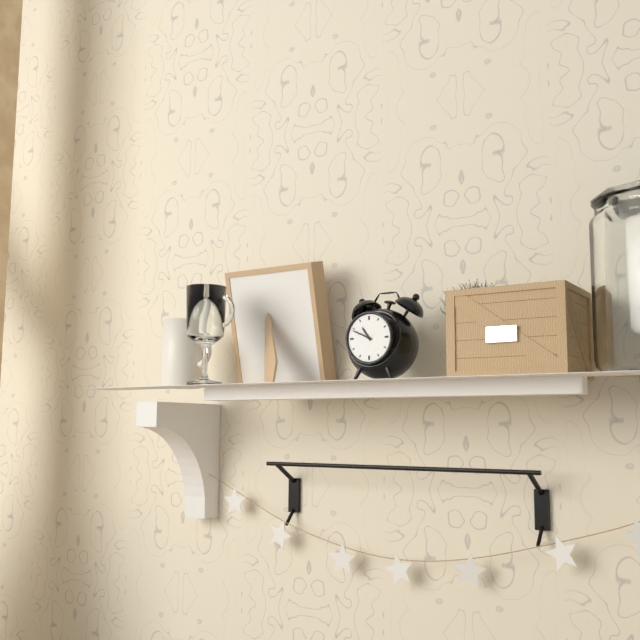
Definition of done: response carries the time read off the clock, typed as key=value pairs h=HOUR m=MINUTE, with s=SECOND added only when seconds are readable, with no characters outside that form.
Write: h=10 m=49
